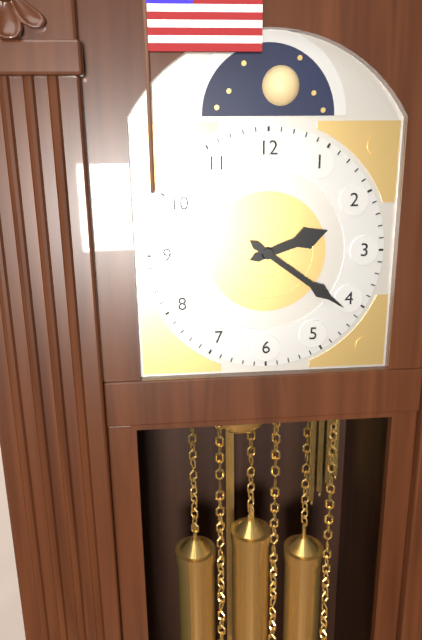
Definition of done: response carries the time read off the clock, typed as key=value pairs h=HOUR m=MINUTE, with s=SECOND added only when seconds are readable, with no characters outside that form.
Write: h=2 m=21
